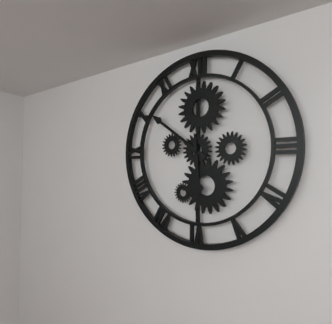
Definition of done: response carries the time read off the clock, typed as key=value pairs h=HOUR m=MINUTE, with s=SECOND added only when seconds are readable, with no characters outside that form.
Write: h=5 m=51
